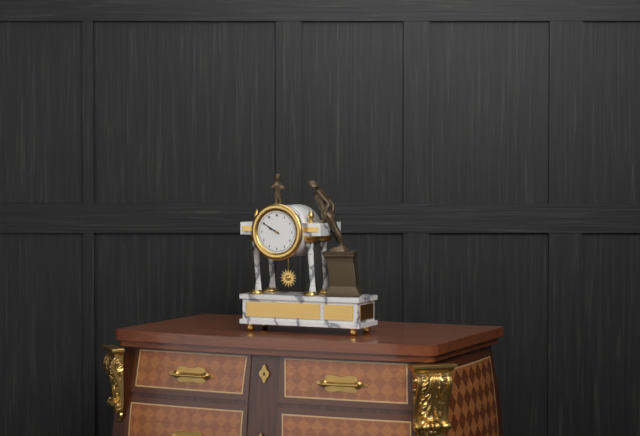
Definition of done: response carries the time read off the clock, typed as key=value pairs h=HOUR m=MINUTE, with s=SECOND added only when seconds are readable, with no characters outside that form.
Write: h=9 m=50
